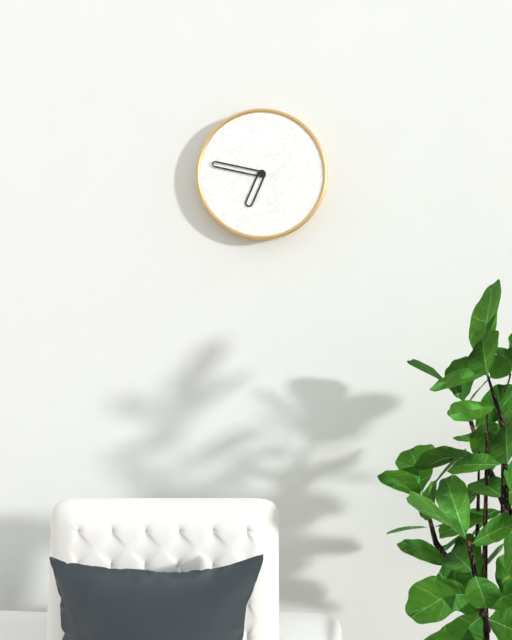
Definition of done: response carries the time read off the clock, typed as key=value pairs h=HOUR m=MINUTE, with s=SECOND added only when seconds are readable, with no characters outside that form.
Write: h=6 m=47
